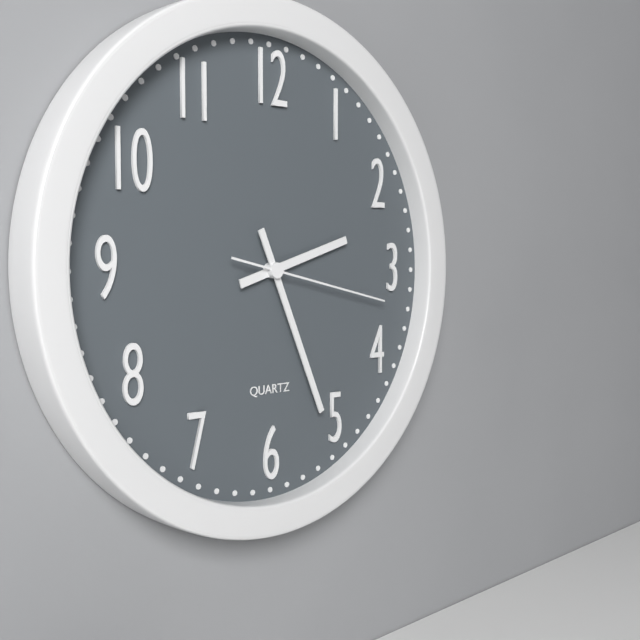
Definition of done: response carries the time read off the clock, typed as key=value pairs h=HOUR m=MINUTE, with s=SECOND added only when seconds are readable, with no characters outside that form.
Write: h=2 m=26 s=17
